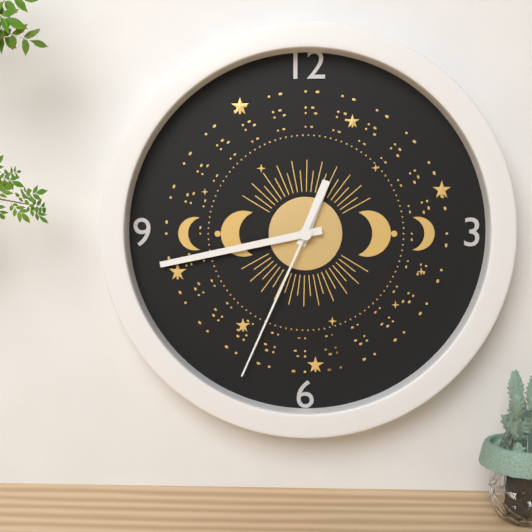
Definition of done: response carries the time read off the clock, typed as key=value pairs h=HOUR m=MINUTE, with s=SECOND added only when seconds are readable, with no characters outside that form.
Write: h=12 m=43 s=34
